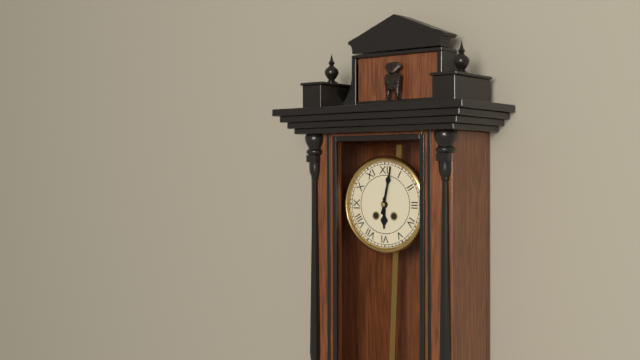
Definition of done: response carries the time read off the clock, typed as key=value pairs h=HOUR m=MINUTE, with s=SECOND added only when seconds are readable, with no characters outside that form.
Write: h=6 m=2
